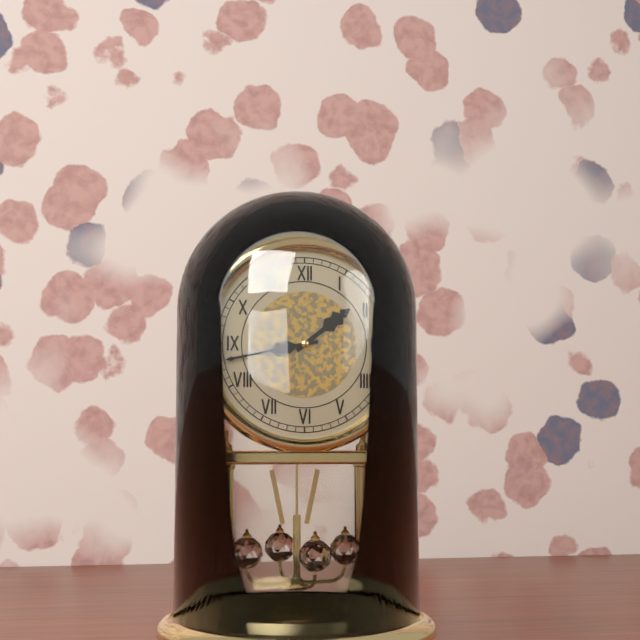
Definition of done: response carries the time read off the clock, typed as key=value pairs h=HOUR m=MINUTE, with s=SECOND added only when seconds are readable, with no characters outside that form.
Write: h=1 m=43
